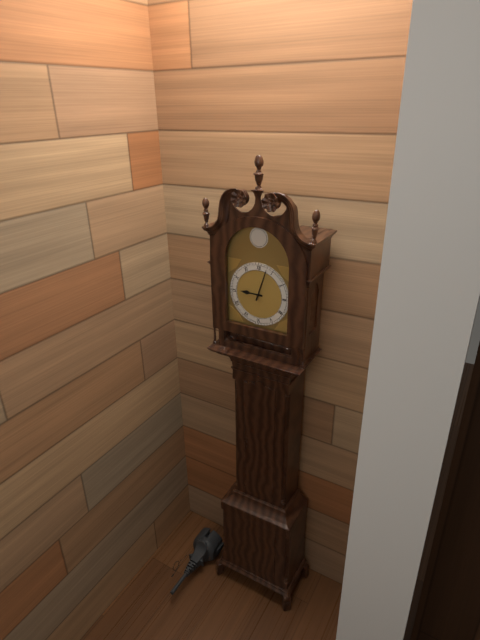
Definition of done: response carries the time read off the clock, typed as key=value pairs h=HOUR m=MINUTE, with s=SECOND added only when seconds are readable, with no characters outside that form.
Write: h=9 m=3
